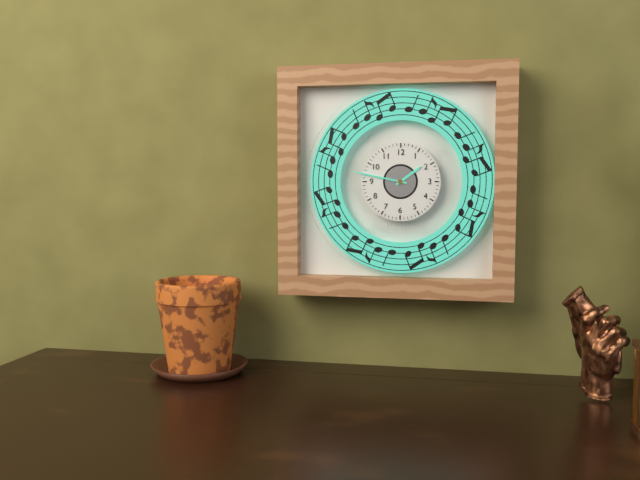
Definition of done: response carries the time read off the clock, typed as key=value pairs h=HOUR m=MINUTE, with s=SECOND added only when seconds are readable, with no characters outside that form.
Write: h=1 m=47
